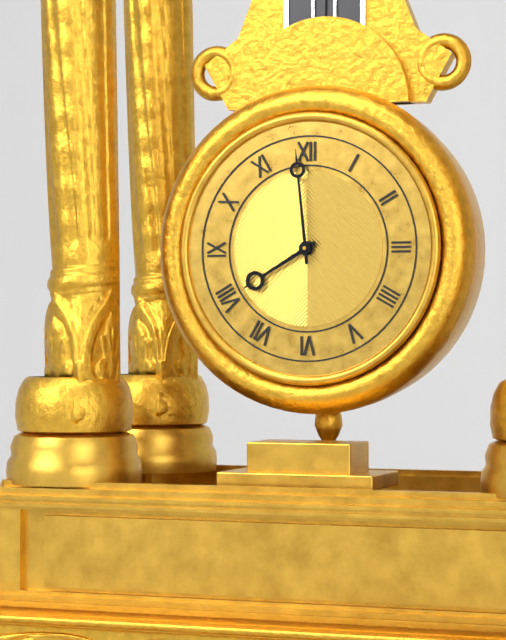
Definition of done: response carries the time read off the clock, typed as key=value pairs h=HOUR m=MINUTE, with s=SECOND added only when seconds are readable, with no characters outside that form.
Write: h=7 m=59
